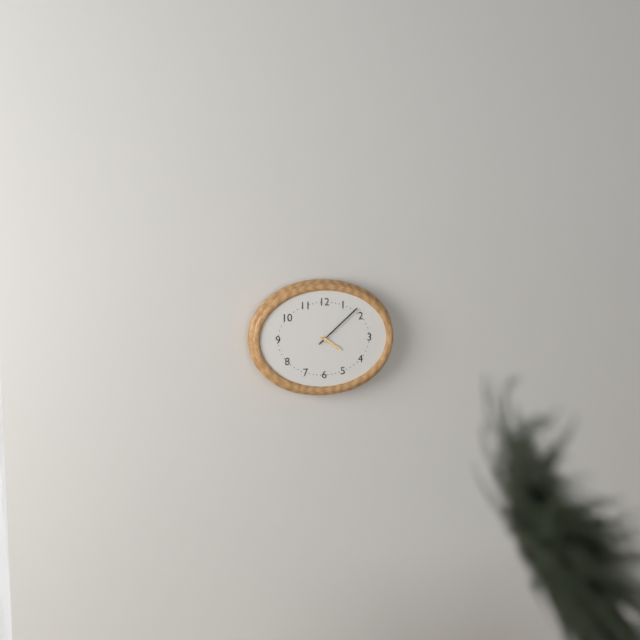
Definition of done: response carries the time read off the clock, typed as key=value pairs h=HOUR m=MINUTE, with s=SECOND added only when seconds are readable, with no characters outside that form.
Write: h=4 m=8
